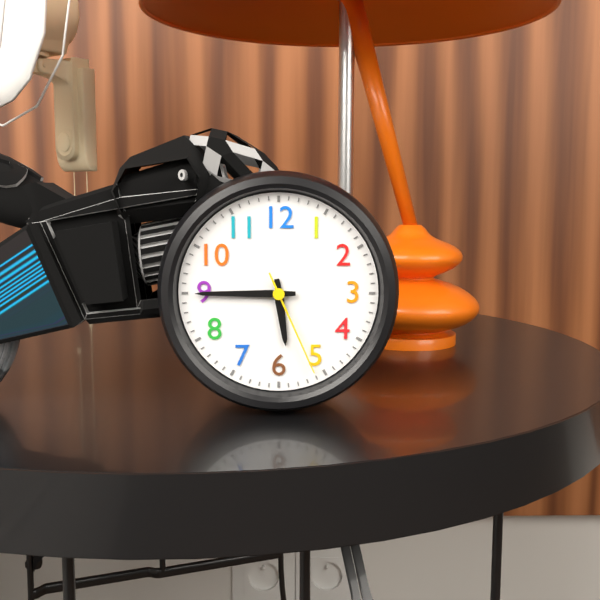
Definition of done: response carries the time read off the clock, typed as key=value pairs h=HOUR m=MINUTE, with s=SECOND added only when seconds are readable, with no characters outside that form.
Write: h=5 m=45 s=26
